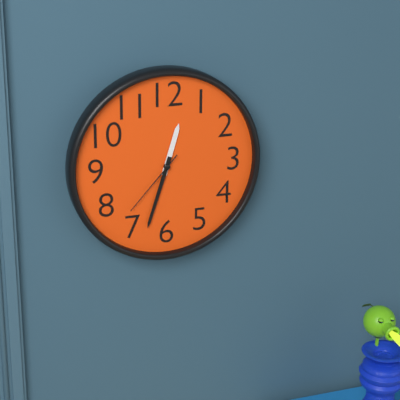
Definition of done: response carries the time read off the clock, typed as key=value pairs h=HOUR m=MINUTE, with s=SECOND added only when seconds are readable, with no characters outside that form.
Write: h=12 m=33 s=37
